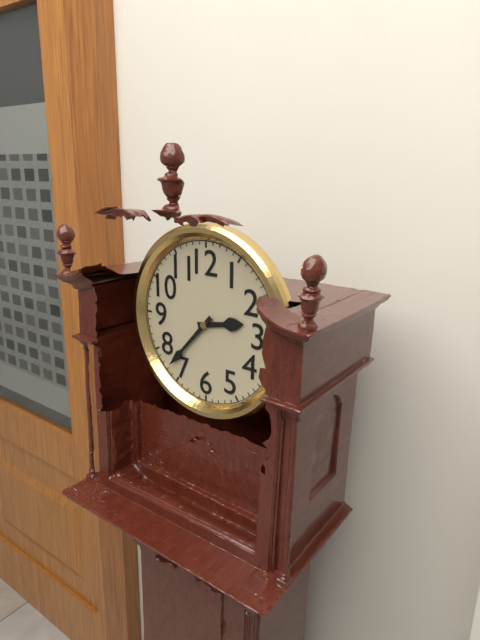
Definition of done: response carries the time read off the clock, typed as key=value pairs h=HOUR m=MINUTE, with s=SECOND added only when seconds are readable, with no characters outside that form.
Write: h=2 m=37
